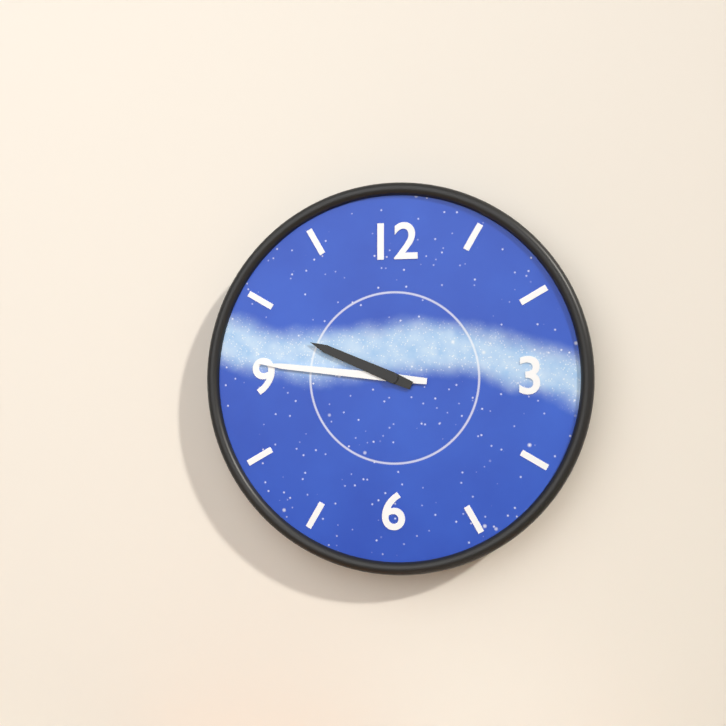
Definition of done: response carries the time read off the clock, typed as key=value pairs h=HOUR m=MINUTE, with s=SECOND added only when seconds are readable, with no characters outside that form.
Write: h=9 m=46
